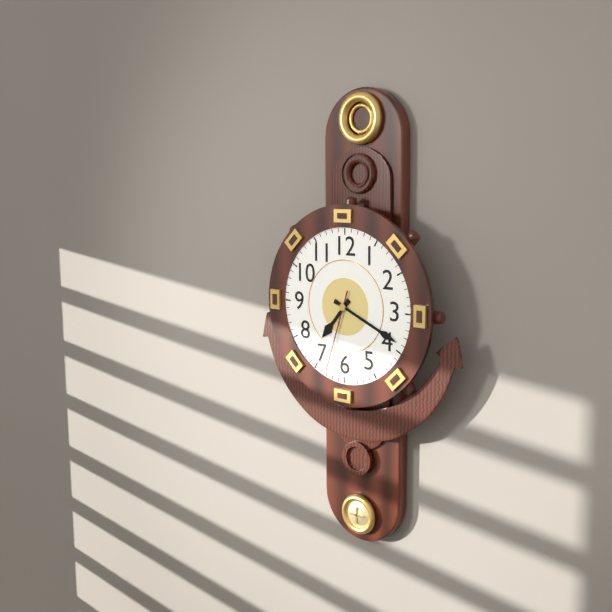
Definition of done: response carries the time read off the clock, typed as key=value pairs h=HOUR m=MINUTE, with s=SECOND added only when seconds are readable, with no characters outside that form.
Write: h=7 m=19 s=33
